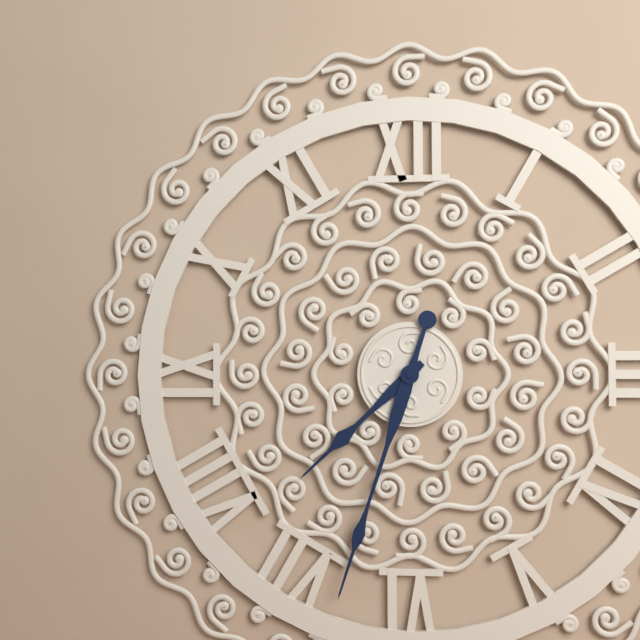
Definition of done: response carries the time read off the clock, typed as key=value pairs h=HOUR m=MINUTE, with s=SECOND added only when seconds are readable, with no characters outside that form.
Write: h=7 m=33
